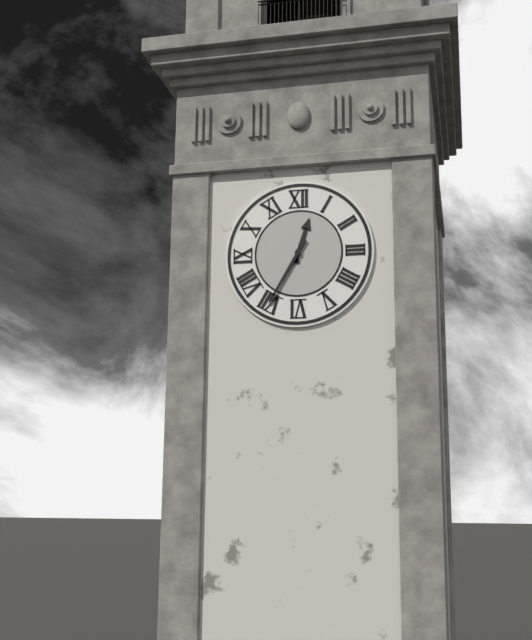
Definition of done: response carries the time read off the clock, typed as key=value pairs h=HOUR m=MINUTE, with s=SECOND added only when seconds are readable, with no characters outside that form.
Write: h=12 m=35
